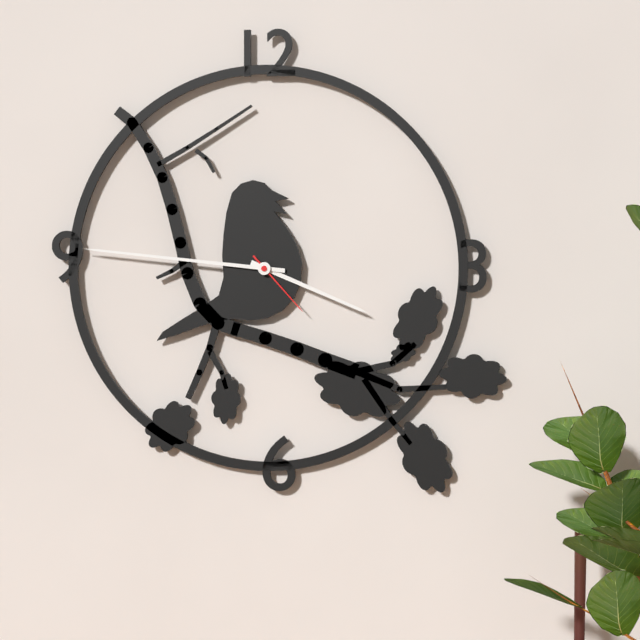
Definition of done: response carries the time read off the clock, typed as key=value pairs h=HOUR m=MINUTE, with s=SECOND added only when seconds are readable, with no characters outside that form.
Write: h=3 m=46 s=23
